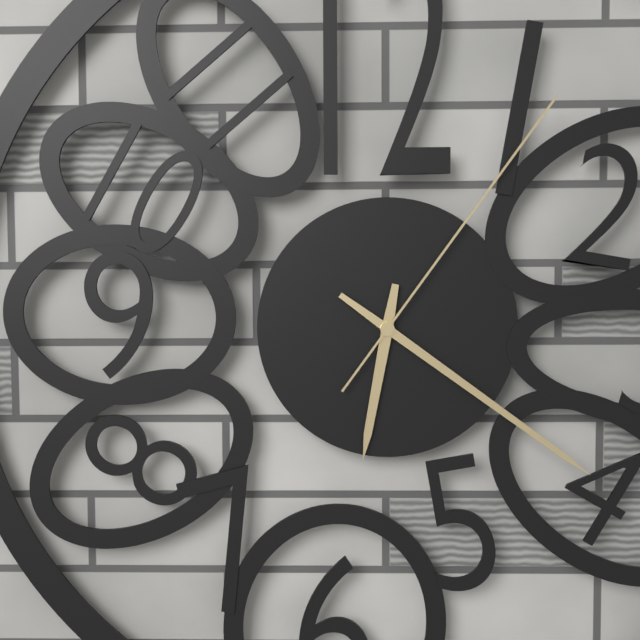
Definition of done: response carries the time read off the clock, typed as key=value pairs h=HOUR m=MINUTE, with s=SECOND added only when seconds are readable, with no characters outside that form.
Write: h=6 m=21 s=6
